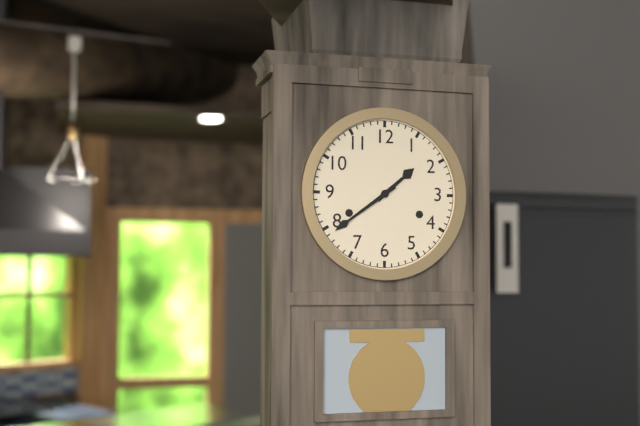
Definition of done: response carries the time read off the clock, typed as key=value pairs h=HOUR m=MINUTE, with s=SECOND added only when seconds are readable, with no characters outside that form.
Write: h=1 m=39
